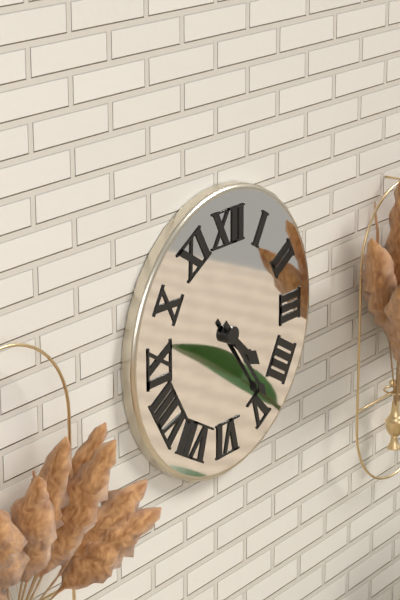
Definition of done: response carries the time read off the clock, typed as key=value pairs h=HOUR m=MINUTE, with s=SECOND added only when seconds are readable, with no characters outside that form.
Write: h=4 m=24
